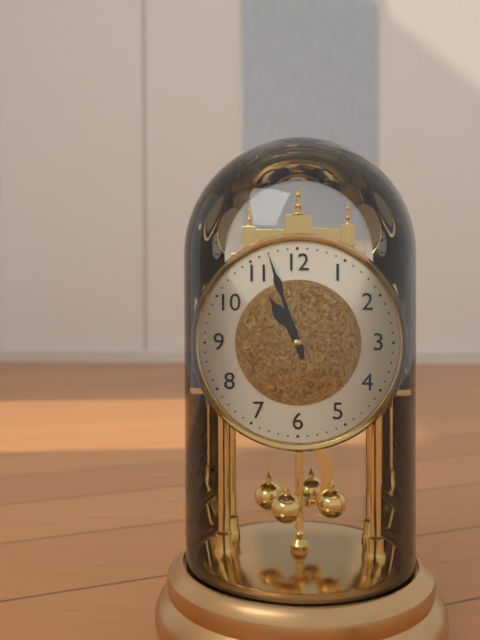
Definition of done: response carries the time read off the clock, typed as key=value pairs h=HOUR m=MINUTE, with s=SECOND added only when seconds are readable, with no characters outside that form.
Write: h=10 m=57
